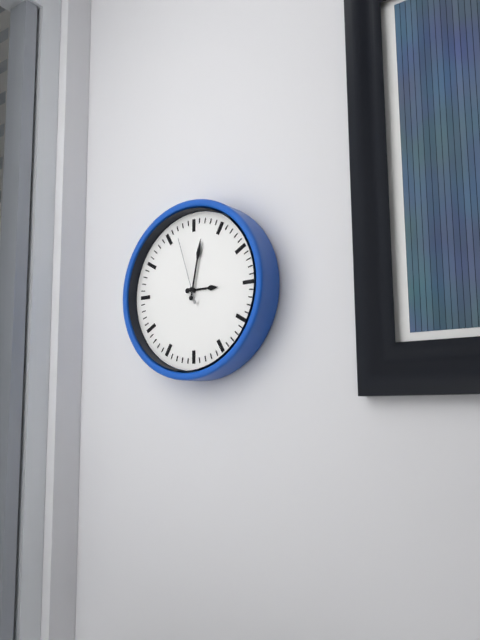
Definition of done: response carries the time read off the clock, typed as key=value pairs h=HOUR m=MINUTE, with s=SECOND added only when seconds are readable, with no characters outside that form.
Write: h=3 m=2 s=57
